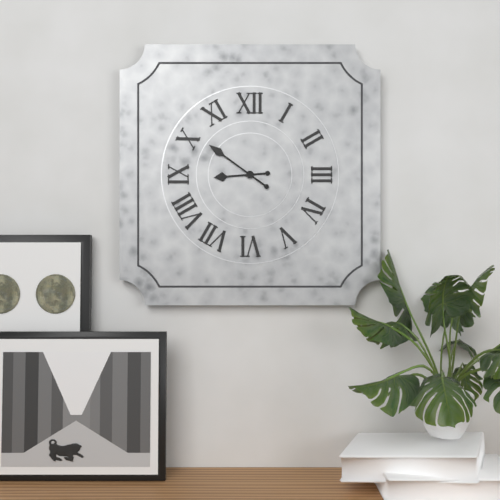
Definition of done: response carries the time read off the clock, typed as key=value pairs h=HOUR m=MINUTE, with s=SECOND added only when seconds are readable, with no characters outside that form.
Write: h=8 m=51
